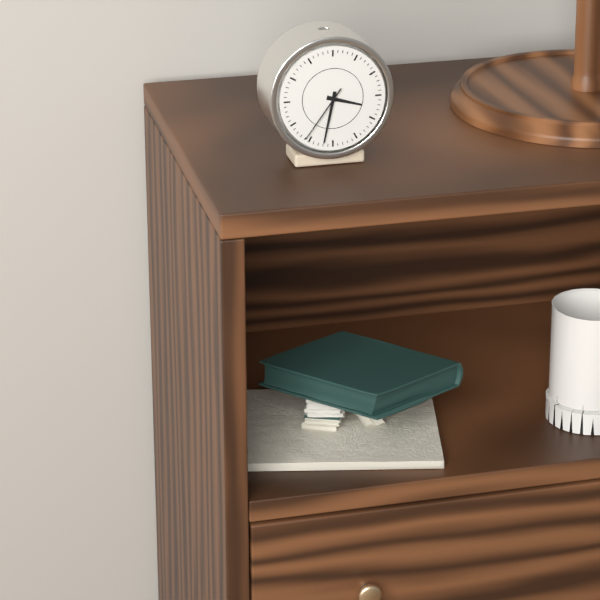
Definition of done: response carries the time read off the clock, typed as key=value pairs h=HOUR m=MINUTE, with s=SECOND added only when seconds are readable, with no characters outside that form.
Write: h=3 m=32 s=36
